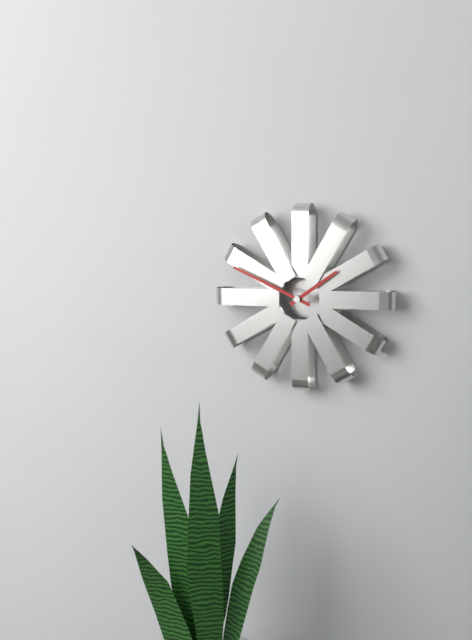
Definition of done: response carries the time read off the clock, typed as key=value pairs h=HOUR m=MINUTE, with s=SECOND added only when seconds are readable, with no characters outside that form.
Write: h=1 m=49
